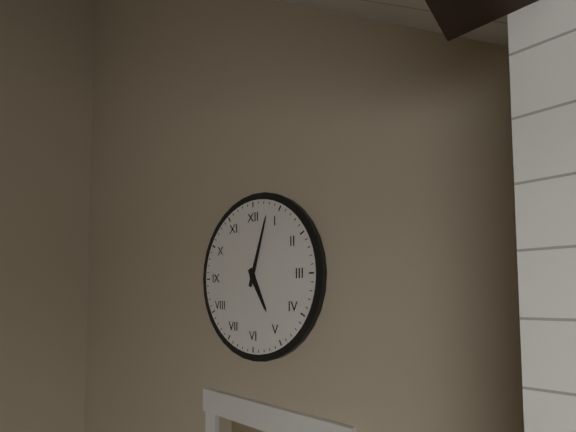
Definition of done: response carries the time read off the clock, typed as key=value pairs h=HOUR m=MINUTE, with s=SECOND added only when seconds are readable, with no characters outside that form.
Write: h=5 m=3
